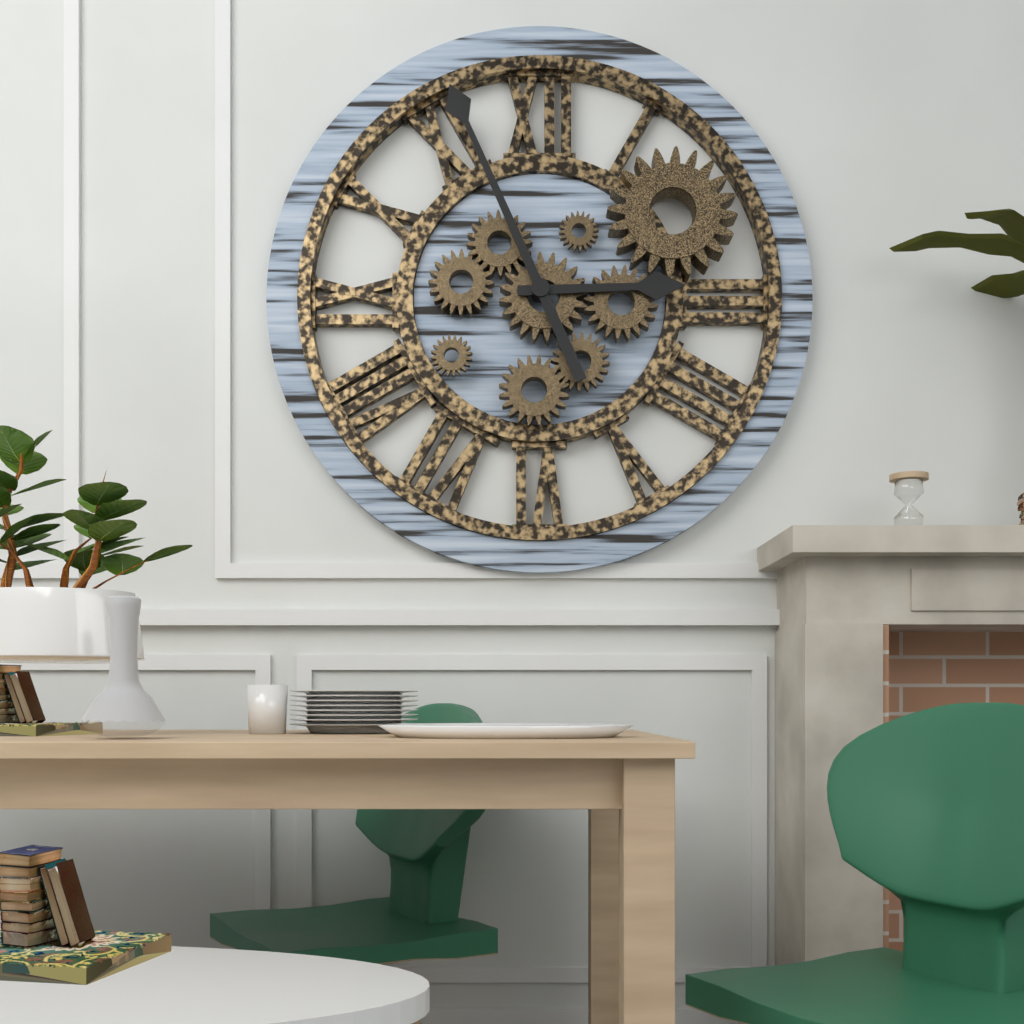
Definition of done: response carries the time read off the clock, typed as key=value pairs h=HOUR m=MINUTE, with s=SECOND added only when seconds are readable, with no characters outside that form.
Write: h=2 m=56
